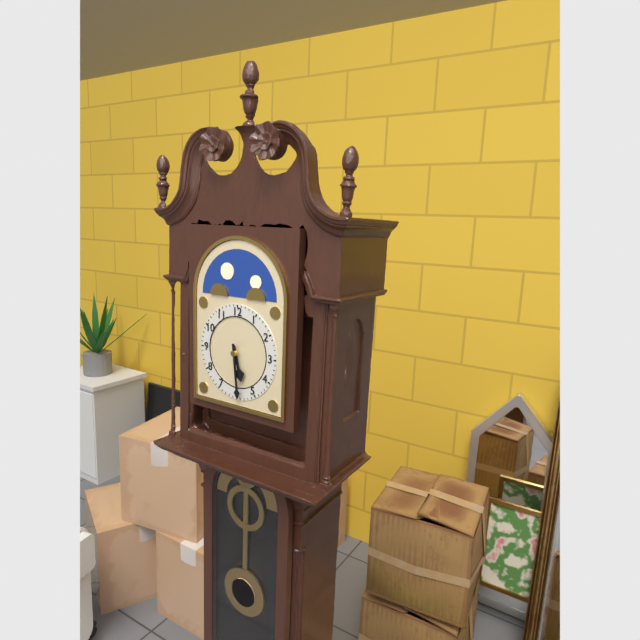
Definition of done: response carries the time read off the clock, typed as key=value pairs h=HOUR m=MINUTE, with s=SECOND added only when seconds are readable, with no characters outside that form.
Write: h=5 m=29
